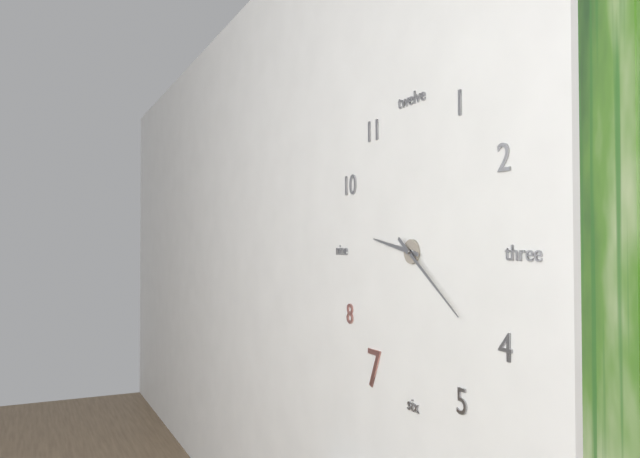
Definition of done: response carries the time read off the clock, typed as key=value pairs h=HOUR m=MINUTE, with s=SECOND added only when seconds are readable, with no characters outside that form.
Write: h=9 m=21
